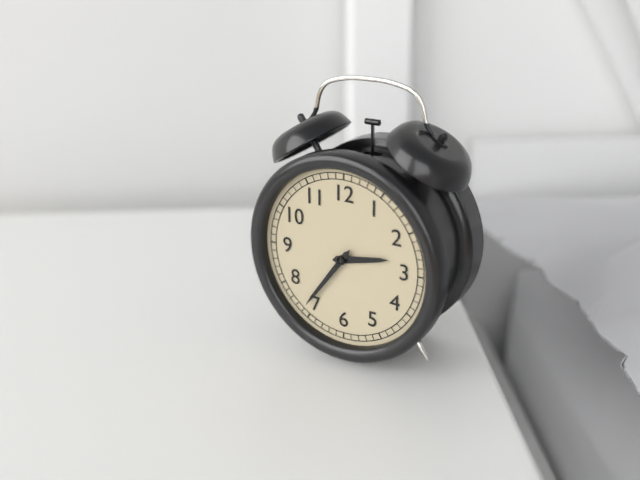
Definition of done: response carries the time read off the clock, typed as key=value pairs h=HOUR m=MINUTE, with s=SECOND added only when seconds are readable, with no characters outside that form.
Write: h=2 m=36
